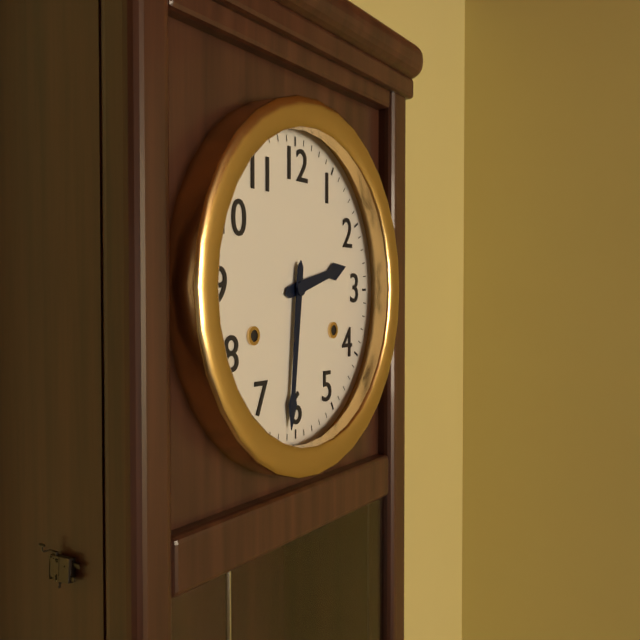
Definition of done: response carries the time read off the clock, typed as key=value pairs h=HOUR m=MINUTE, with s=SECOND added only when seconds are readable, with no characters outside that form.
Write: h=2 m=31
